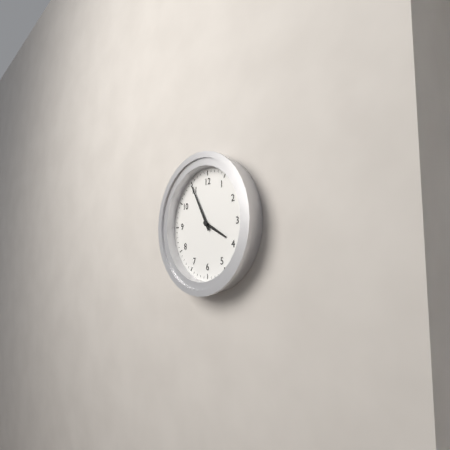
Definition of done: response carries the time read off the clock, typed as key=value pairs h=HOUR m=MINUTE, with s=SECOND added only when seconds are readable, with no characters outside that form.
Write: h=3 m=55
